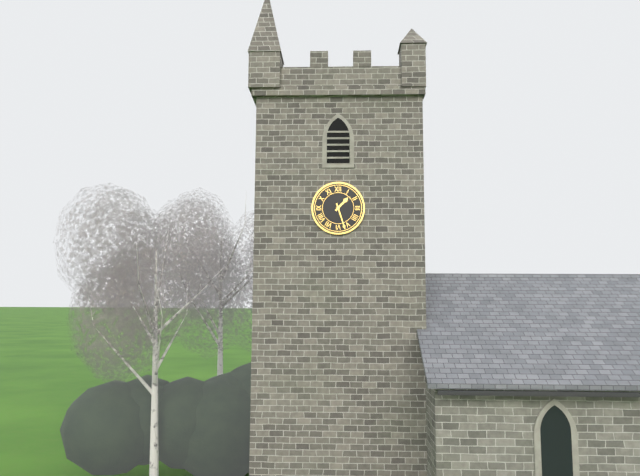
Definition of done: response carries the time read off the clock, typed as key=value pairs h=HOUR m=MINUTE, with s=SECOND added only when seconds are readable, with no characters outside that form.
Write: h=1 m=27
